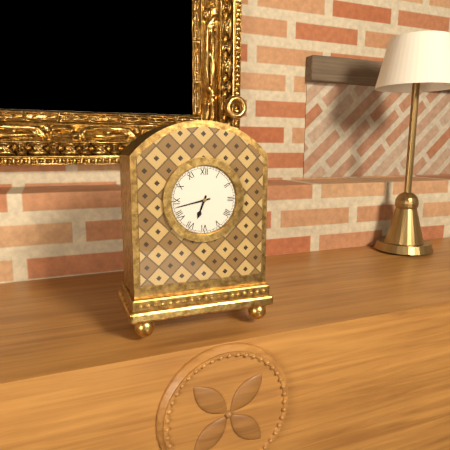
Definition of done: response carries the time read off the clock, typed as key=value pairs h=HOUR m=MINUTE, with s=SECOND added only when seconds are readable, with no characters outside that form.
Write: h=6 m=43
